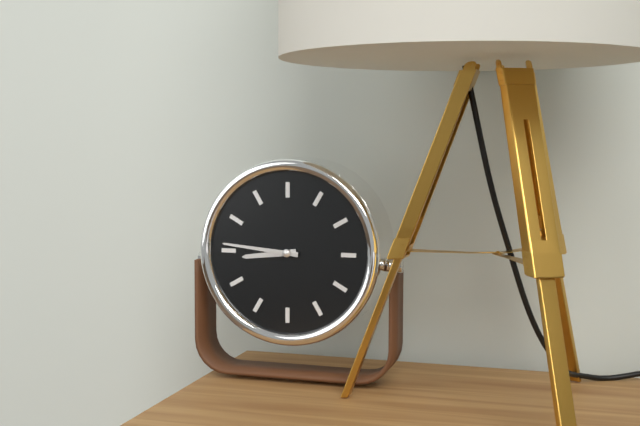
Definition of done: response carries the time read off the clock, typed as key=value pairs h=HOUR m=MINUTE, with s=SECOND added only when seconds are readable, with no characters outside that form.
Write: h=8 m=46
